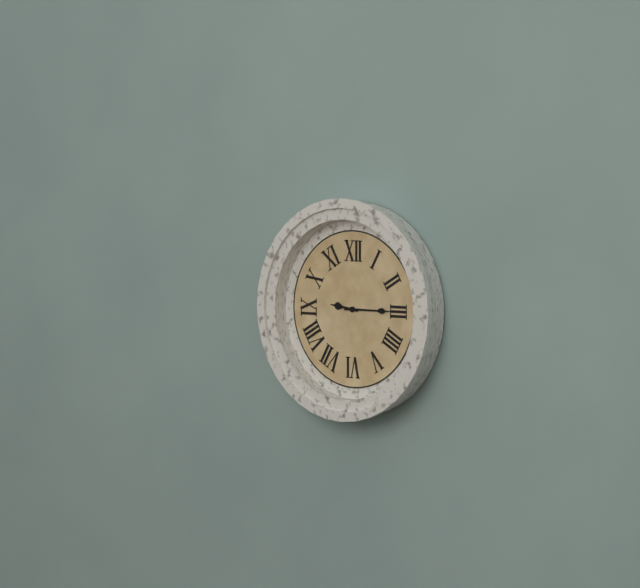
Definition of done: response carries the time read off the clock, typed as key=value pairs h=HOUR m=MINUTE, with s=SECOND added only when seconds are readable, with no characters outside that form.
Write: h=9 m=15
